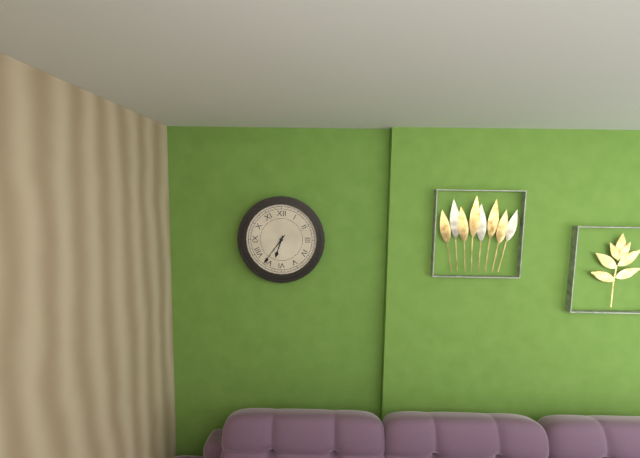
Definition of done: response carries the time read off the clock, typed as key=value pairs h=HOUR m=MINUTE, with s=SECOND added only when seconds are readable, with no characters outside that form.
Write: h=6 m=36
